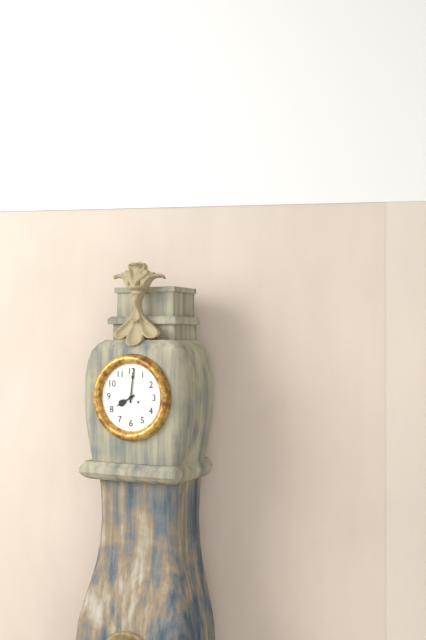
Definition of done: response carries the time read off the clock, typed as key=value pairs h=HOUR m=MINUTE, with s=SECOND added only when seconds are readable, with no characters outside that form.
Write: h=8 m=1
